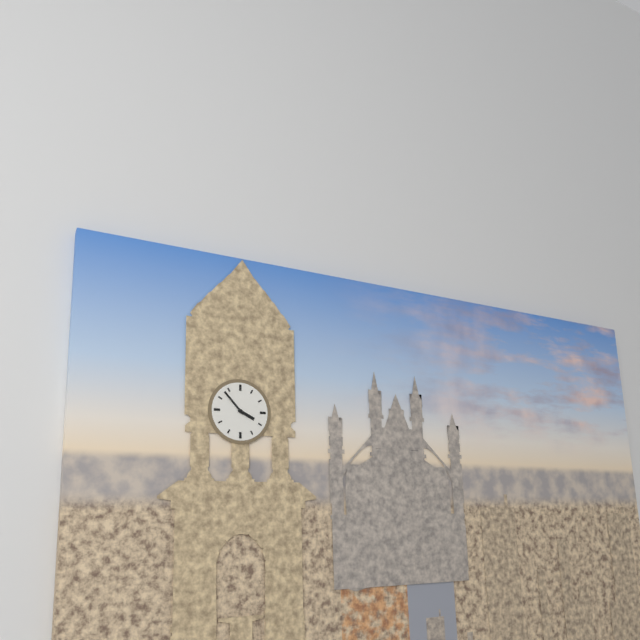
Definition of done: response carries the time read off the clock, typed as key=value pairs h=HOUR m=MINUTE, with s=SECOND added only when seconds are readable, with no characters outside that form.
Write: h=3 m=53
